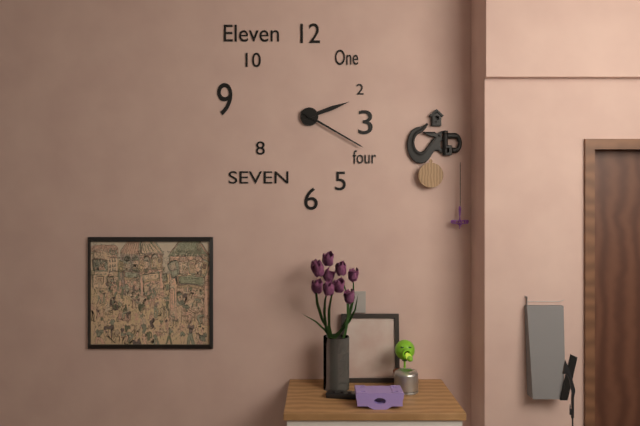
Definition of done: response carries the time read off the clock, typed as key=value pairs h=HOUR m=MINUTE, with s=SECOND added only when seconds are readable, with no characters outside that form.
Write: h=2 m=20
